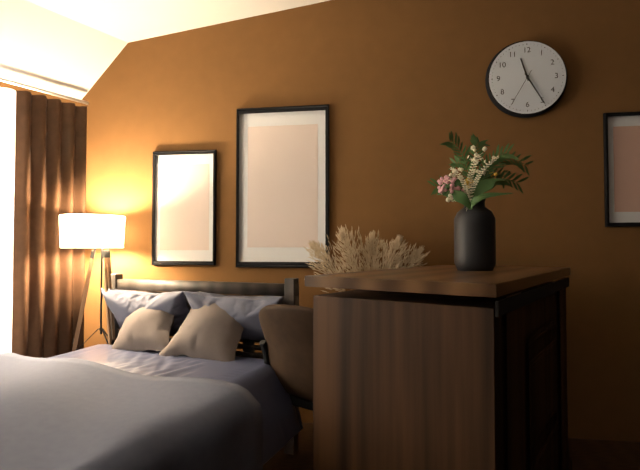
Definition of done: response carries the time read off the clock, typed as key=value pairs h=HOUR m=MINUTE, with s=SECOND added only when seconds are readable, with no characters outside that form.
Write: h=11 m=25
